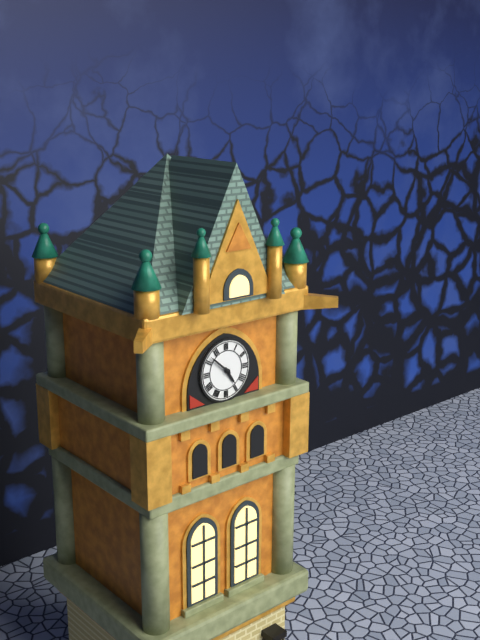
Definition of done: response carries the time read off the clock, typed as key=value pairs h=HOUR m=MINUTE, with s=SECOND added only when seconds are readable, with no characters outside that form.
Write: h=4 m=52
